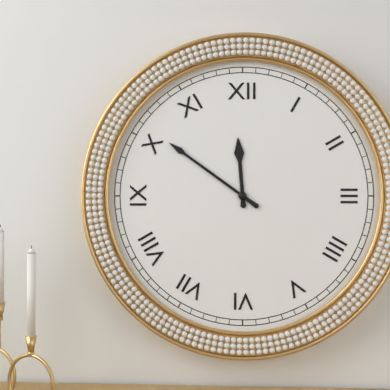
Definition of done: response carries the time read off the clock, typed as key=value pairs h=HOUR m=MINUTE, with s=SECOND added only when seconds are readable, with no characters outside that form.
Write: h=11 m=51
